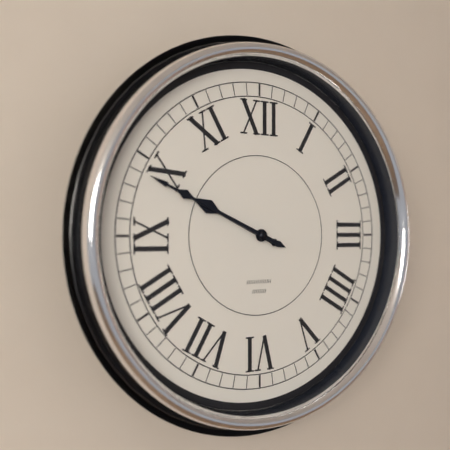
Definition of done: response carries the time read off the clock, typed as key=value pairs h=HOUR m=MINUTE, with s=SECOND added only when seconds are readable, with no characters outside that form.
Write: h=9 m=49
